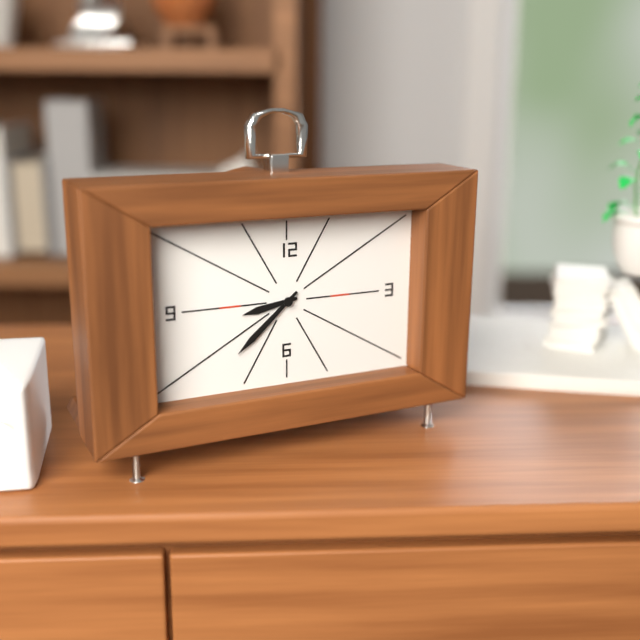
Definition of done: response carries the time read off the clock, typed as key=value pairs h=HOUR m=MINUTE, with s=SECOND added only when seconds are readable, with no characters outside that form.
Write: h=8 m=38
